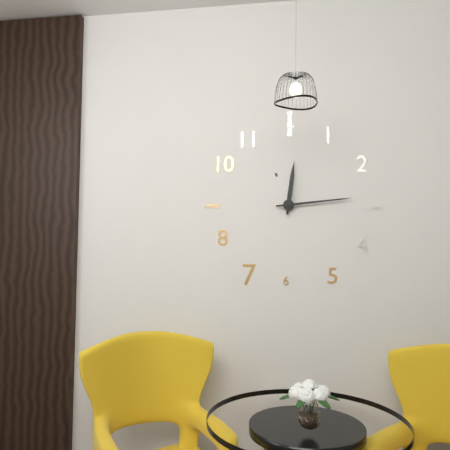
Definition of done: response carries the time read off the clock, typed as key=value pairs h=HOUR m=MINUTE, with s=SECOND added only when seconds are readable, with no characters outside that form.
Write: h=12 m=14
